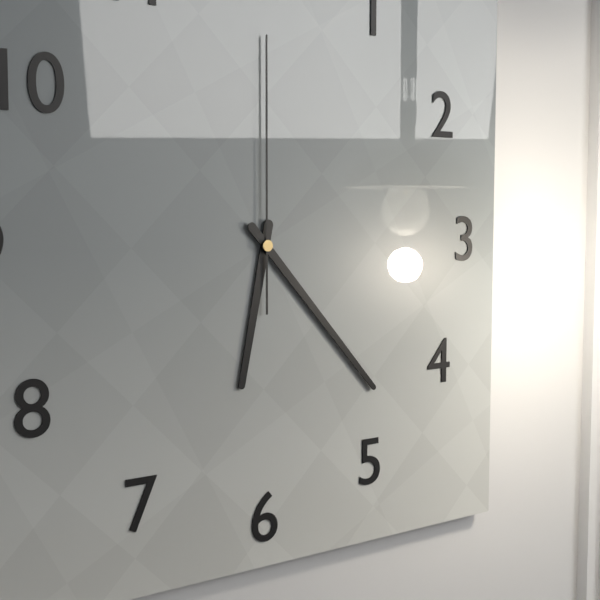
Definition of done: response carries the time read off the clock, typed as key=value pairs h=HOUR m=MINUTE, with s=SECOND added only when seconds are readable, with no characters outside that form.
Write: h=6 m=23 s=0
